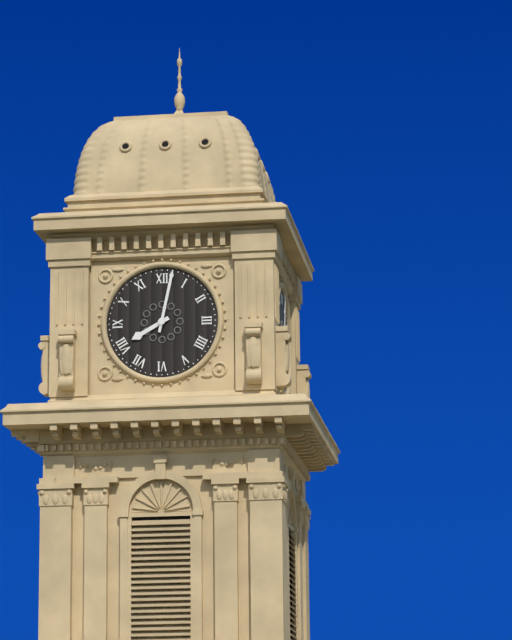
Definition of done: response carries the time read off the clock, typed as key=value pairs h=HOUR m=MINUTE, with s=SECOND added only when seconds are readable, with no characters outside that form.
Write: h=8 m=2
